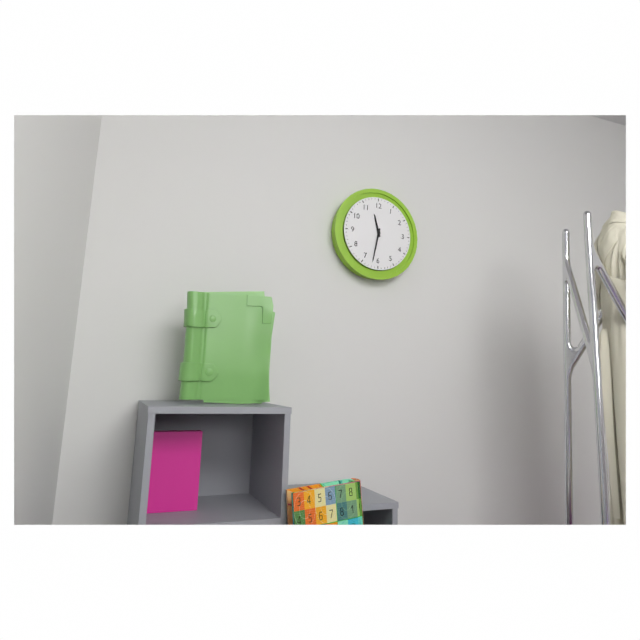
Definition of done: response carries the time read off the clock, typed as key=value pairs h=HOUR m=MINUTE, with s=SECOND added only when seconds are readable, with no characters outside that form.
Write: h=11 m=32
